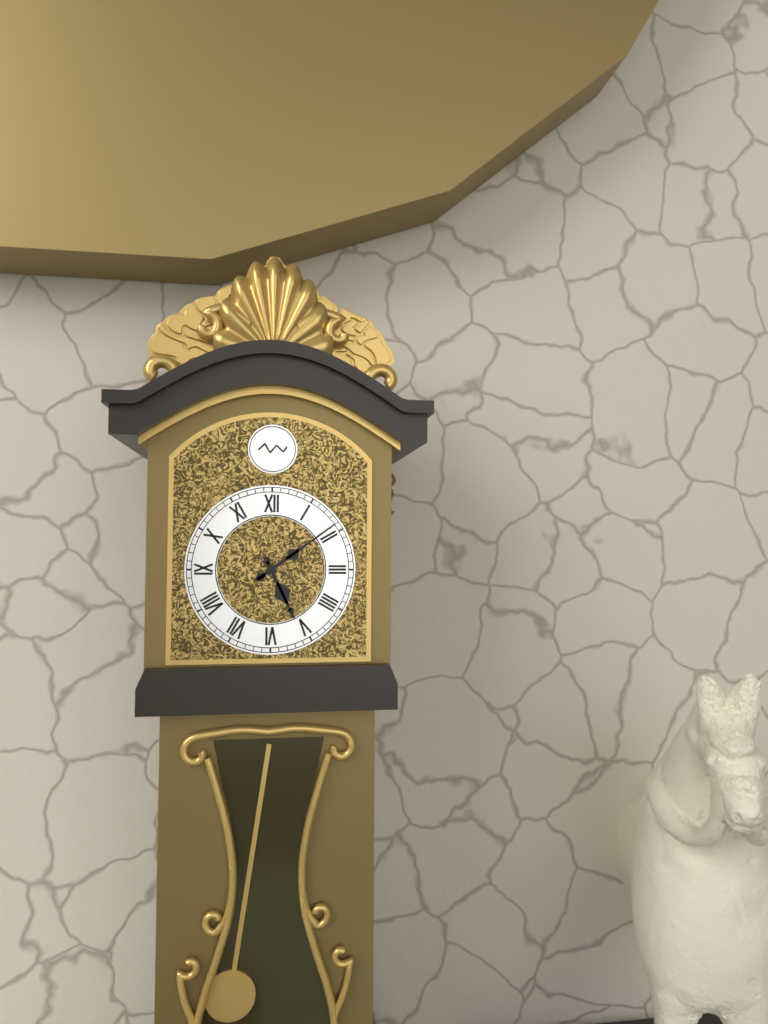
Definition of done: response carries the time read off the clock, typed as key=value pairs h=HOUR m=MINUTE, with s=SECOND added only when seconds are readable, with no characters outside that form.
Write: h=5 m=9
